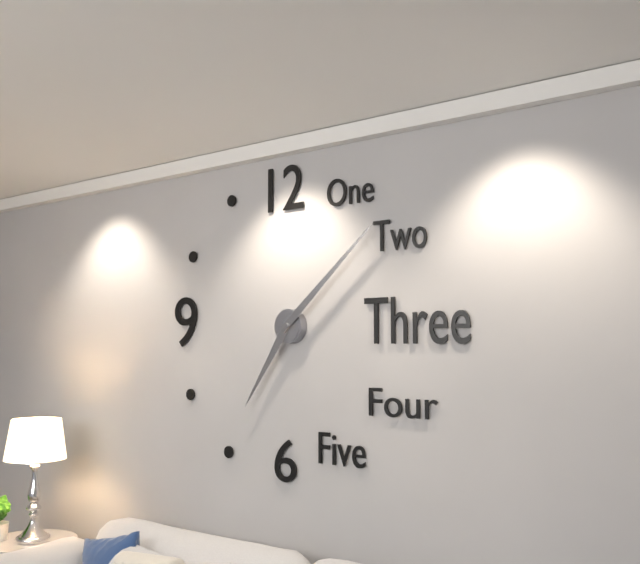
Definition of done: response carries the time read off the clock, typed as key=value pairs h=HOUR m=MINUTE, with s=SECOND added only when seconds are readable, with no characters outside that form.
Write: h=7 m=8
